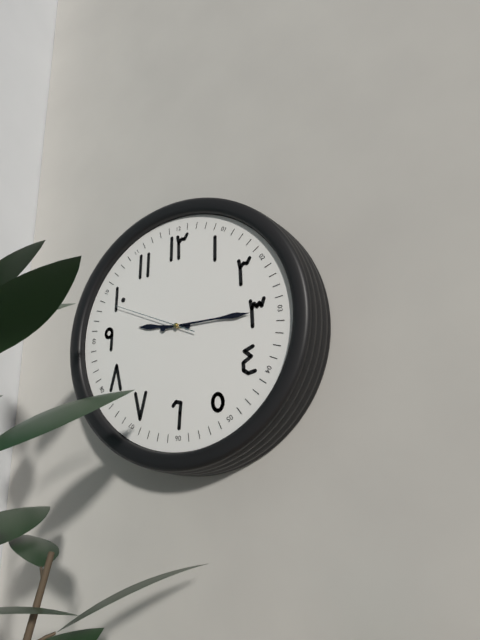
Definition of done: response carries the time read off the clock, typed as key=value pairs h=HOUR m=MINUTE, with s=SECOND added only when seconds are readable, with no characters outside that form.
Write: h=9 m=15 s=49
